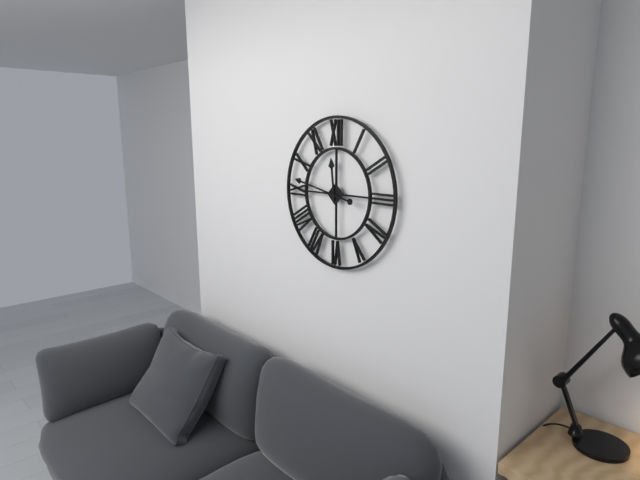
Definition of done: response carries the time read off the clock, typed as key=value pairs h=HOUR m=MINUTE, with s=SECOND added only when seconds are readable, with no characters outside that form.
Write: h=11 m=47
